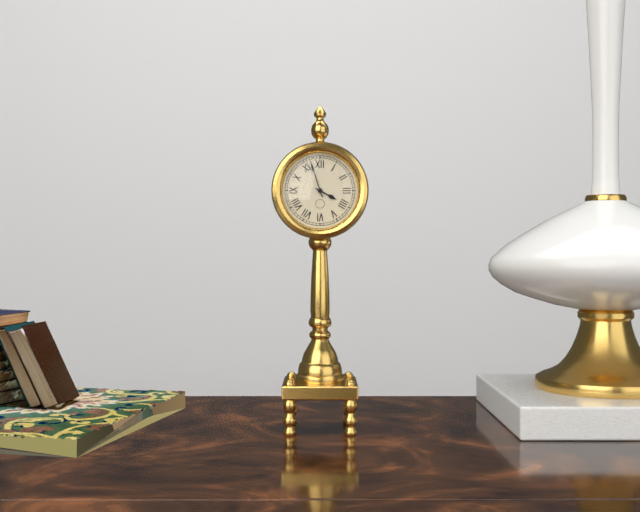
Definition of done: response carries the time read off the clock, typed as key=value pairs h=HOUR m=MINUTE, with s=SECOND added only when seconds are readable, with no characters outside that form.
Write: h=3 m=57
